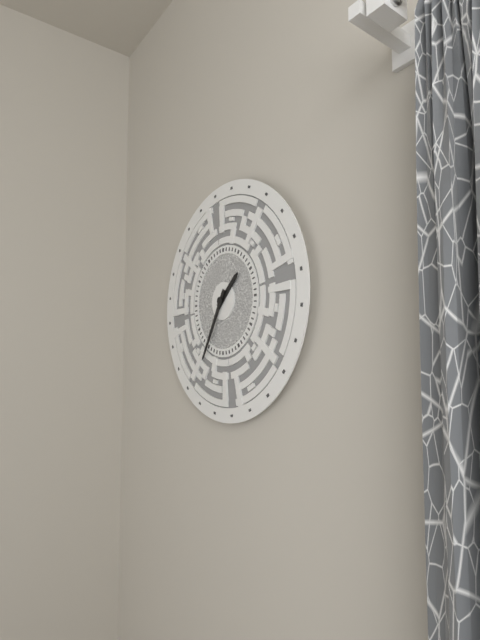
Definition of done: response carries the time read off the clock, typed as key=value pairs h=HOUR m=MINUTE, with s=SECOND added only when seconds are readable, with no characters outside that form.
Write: h=1 m=35
